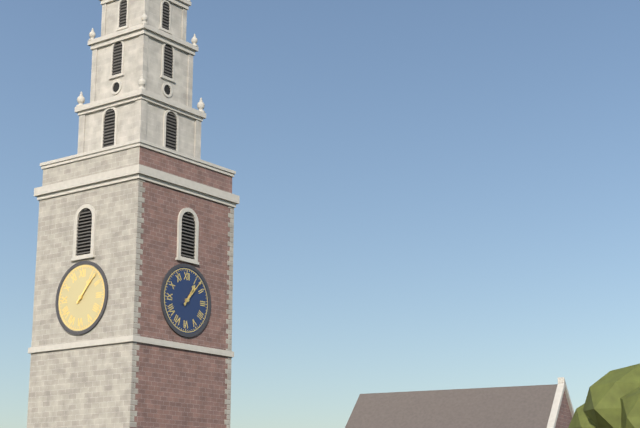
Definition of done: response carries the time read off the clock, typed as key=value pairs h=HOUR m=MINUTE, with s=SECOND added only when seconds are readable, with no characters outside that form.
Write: h=1 m=7
